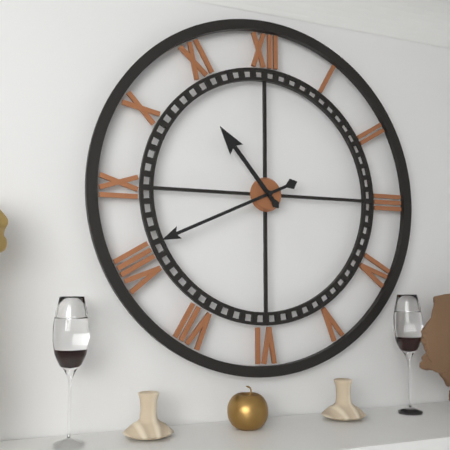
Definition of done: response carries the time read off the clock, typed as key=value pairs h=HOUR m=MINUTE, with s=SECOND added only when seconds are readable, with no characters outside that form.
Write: h=10 m=41
